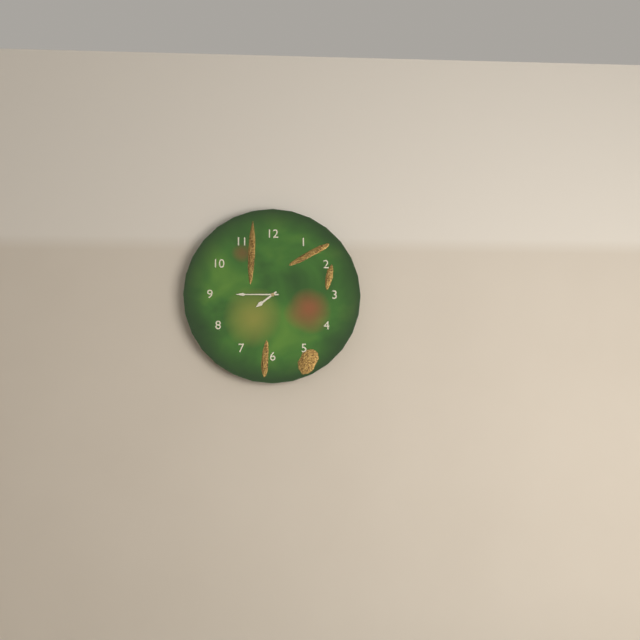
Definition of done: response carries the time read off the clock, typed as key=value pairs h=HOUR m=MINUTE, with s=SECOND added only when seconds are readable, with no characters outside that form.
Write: h=7 m=45
